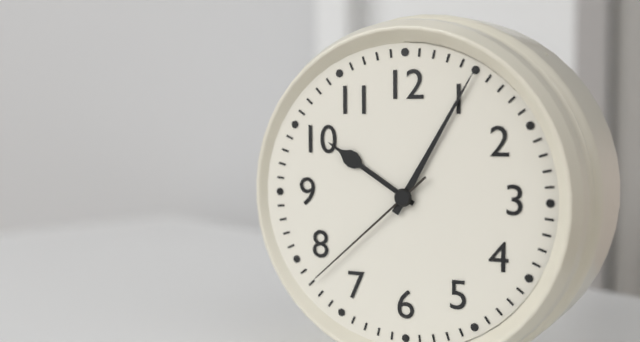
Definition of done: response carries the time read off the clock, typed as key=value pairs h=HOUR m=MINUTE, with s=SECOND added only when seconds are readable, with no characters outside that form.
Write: h=10 m=5 s=38
